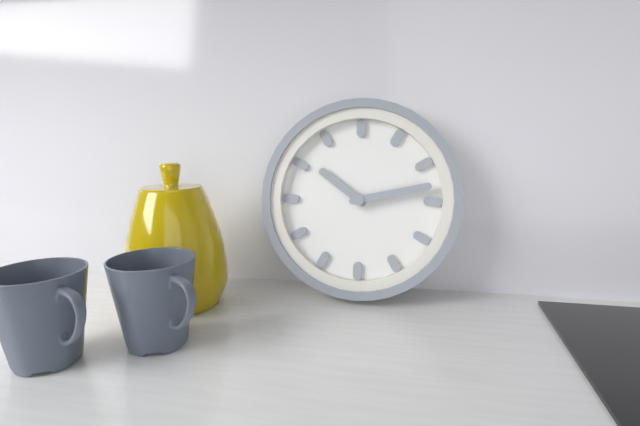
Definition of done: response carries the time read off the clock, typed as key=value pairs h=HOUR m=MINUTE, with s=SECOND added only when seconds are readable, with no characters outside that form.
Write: h=10 m=13
